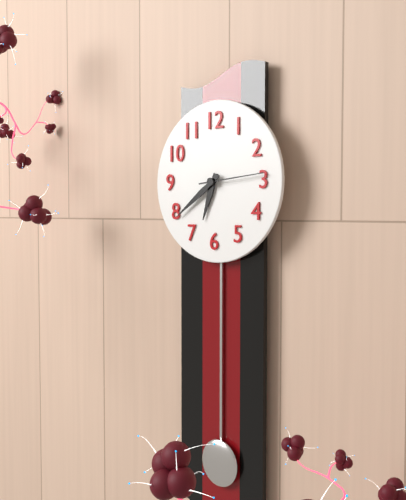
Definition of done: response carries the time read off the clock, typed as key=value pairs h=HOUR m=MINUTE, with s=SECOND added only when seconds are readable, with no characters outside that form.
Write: h=6 m=39 s=14
